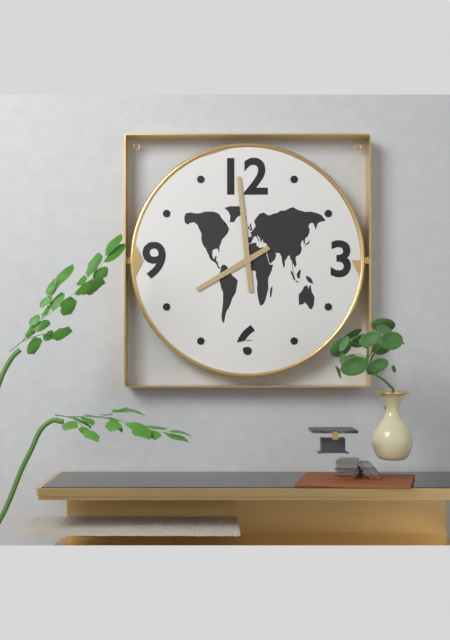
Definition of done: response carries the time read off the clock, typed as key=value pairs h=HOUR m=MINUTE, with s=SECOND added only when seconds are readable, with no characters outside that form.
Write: h=7 m=59
